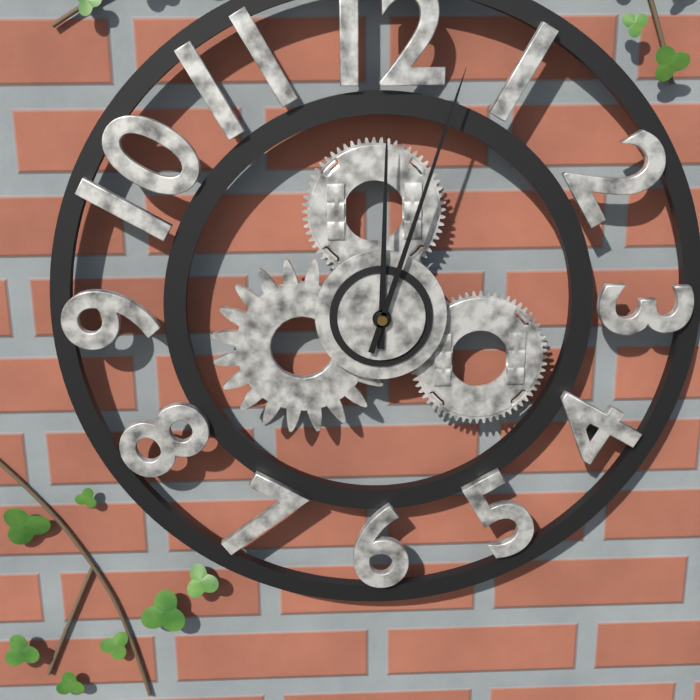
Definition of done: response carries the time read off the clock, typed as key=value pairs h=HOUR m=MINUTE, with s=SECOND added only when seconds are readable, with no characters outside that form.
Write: h=12 m=3
